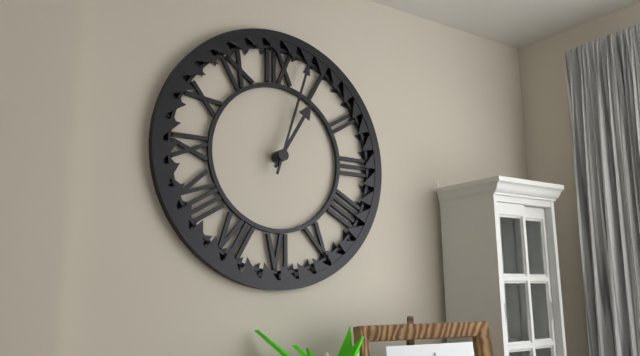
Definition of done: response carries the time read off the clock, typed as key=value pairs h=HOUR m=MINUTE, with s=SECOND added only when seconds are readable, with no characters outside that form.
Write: h=1 m=3
